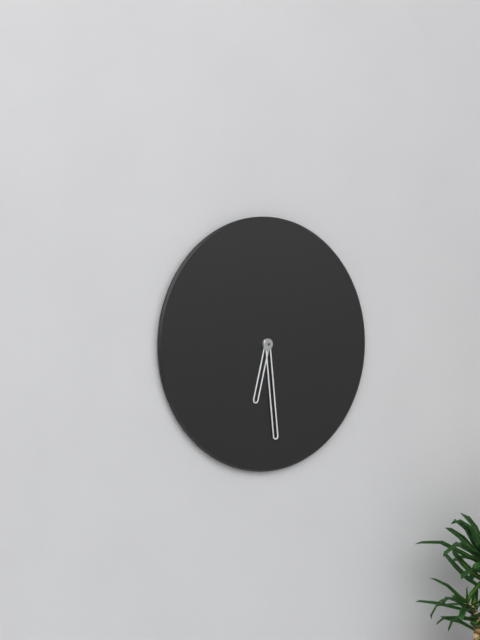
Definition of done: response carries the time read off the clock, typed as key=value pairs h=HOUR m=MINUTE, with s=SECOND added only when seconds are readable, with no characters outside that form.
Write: h=6 m=29
